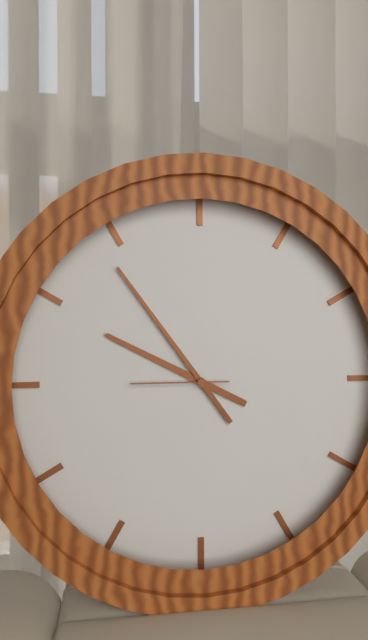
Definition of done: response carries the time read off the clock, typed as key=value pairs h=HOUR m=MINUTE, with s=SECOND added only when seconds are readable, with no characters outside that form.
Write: h=9 m=54 s=45
